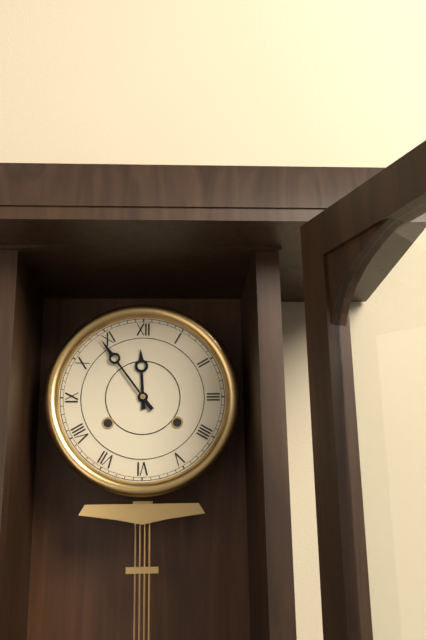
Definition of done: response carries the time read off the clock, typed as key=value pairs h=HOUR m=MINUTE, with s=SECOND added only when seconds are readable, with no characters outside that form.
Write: h=11 m=54
